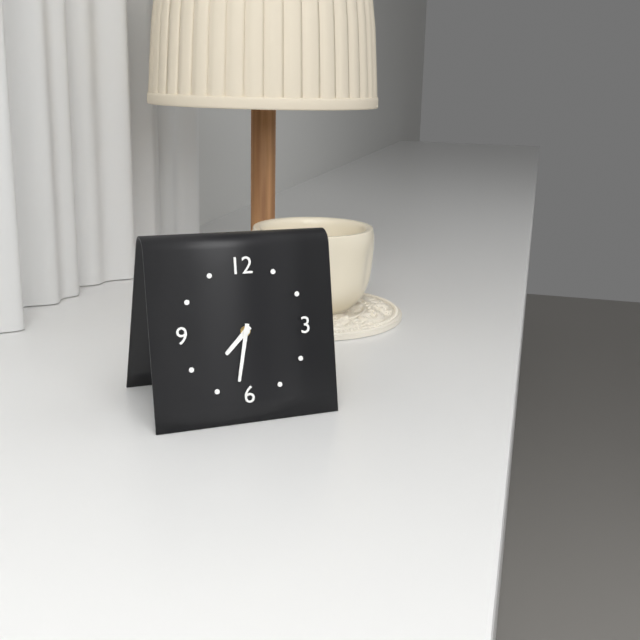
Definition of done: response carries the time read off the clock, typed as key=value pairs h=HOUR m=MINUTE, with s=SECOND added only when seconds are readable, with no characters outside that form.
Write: h=7 m=32
